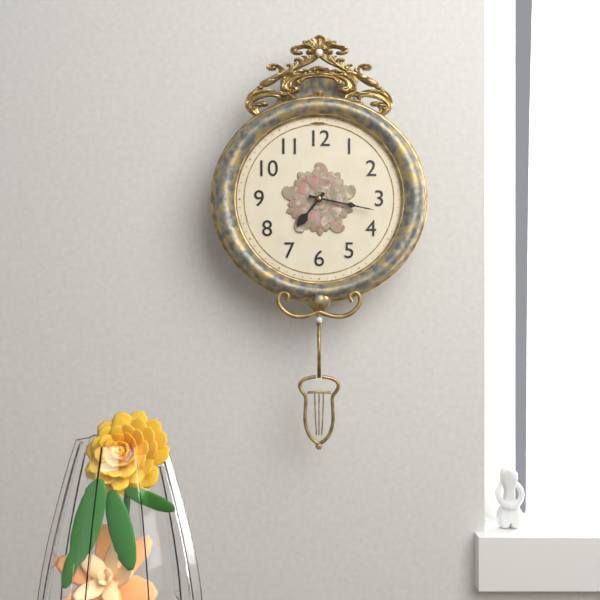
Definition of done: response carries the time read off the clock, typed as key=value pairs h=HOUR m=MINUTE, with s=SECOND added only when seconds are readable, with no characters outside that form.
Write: h=7 m=17
